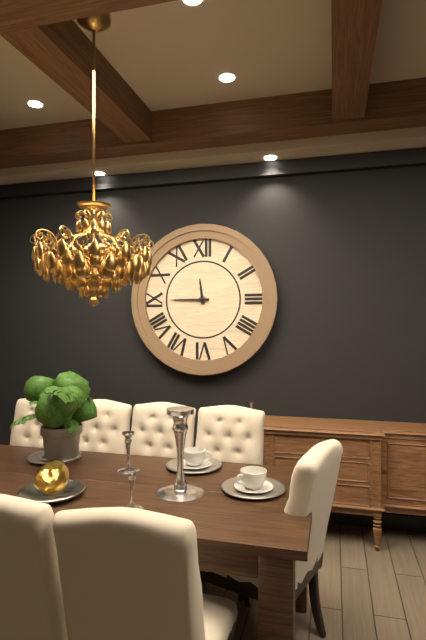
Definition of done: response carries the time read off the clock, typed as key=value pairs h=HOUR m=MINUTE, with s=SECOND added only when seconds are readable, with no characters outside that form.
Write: h=11 m=45
